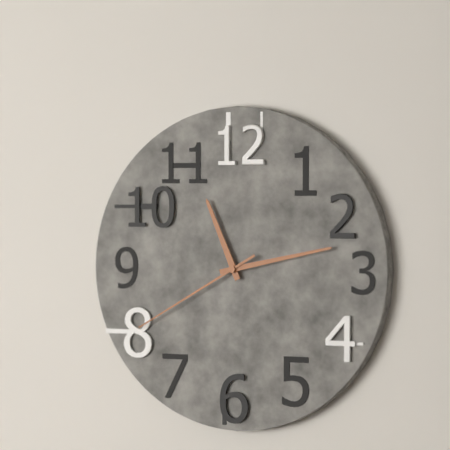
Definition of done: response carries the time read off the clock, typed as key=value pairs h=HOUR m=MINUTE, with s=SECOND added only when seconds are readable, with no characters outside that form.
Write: h=11 m=13 s=40
